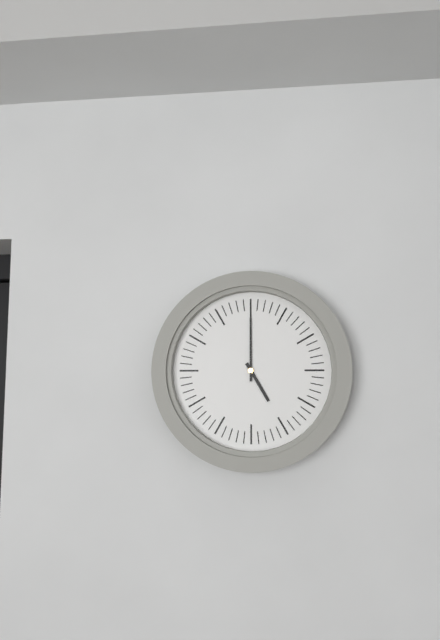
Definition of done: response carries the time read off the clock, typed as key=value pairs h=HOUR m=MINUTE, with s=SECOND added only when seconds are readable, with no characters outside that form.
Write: h=5 m=0
